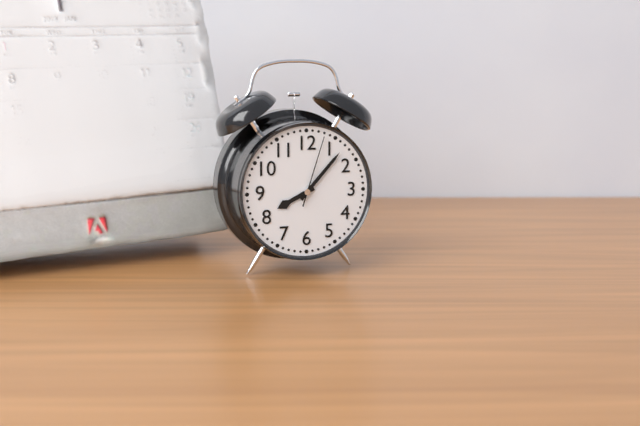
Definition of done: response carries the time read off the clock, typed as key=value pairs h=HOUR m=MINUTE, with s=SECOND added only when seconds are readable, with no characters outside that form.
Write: h=8 m=7 s=3
